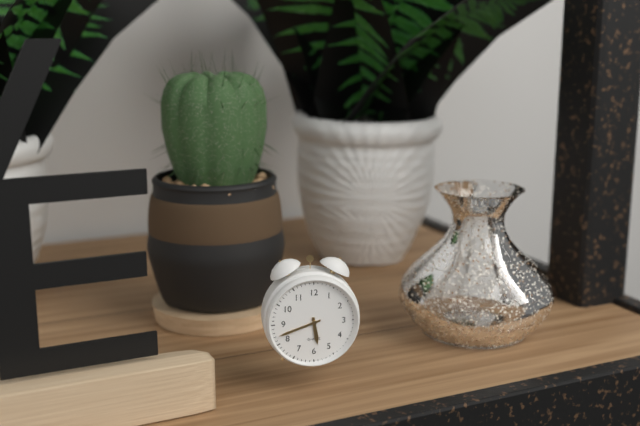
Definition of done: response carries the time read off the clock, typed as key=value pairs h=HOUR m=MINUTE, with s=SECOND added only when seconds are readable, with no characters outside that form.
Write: h=5 m=42
